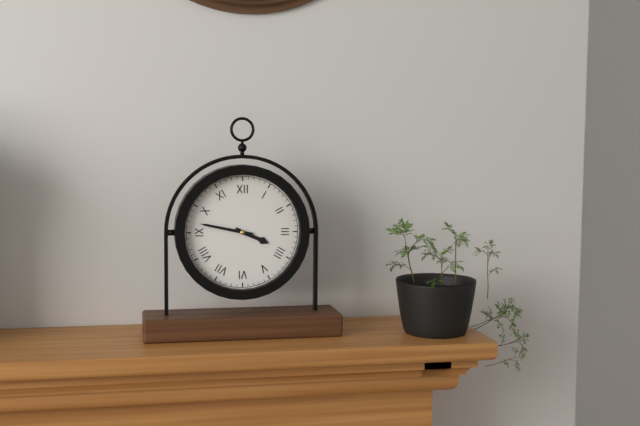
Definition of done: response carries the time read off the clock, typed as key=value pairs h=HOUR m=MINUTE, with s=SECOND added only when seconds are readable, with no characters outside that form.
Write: h=3 m=47
